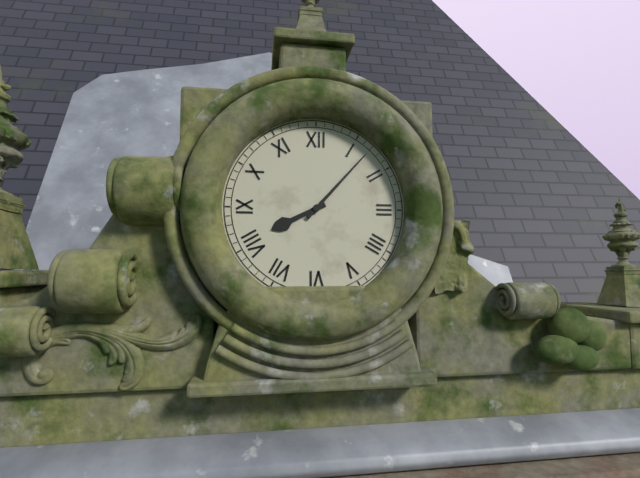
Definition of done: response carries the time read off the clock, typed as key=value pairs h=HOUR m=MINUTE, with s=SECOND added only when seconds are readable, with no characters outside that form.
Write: h=8 m=7
